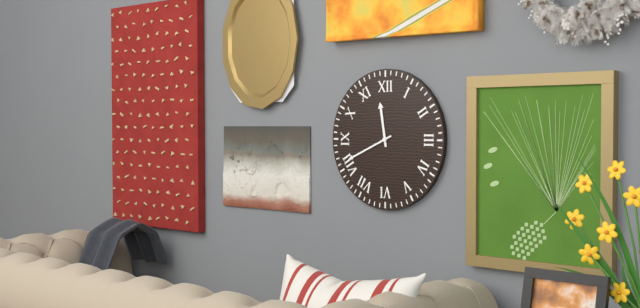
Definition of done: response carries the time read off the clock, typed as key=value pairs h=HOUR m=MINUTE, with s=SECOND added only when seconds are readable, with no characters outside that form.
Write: h=11 m=41
